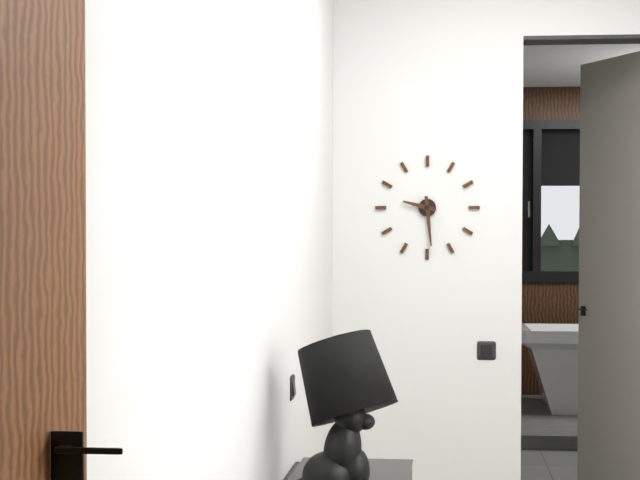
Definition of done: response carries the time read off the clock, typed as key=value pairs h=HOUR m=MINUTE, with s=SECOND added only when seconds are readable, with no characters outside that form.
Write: h=9 m=29
